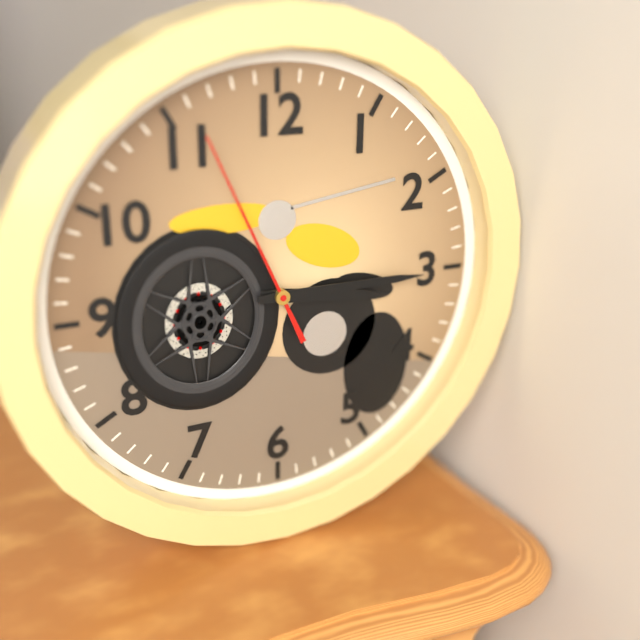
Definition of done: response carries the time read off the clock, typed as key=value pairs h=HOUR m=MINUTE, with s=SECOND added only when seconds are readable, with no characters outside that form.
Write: h=3 m=15 s=56
